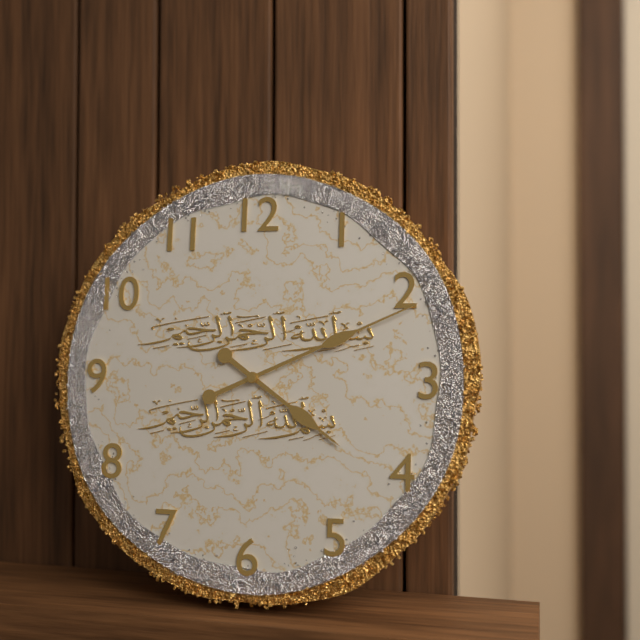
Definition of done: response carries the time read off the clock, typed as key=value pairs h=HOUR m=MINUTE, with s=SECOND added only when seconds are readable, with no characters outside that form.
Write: h=4 m=11
